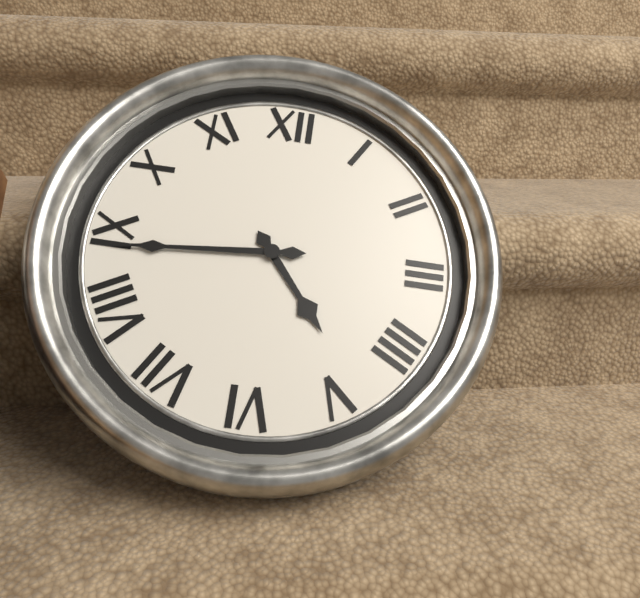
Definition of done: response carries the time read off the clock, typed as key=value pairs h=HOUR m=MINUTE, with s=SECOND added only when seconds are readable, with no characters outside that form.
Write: h=4 m=44
